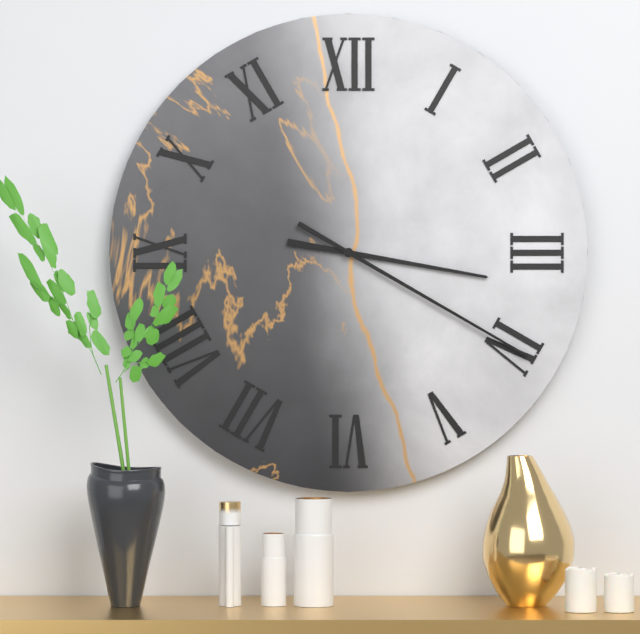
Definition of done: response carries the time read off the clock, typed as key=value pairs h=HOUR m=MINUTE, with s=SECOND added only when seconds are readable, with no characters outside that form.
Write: h=3 m=20
